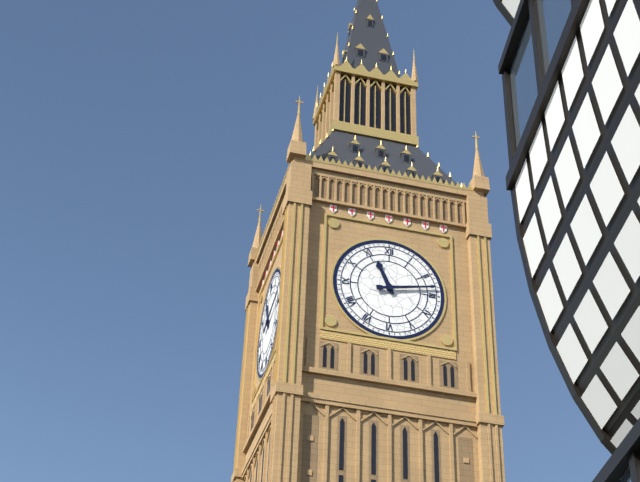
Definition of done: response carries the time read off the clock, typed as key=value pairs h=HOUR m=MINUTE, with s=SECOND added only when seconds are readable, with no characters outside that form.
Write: h=11 m=13
